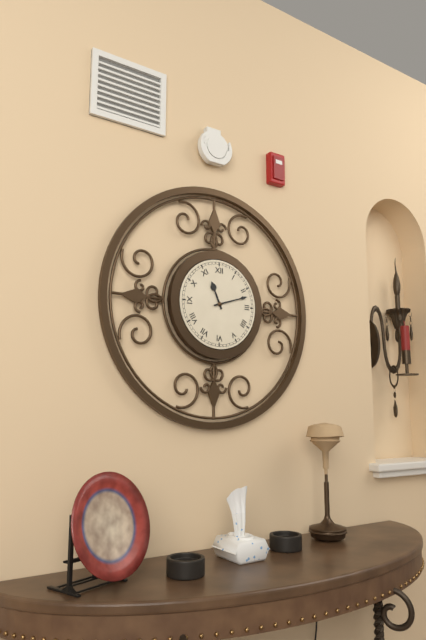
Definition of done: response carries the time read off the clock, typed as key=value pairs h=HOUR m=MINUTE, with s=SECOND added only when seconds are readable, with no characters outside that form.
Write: h=11 m=12
